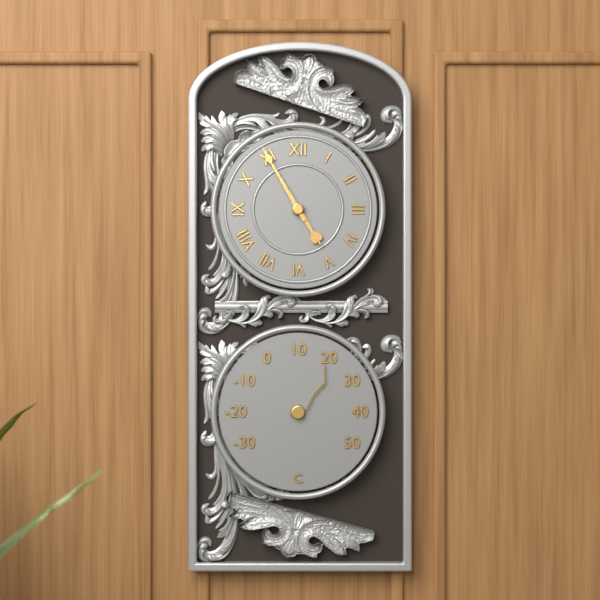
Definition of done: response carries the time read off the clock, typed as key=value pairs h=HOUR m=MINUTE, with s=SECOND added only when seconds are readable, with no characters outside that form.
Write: h=4 m=55
